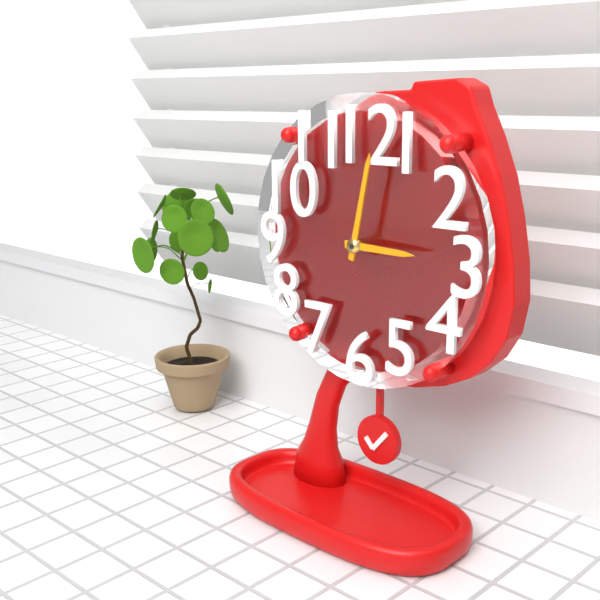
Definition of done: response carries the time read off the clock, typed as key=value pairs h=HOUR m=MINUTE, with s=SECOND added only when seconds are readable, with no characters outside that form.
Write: h=3 m=2
